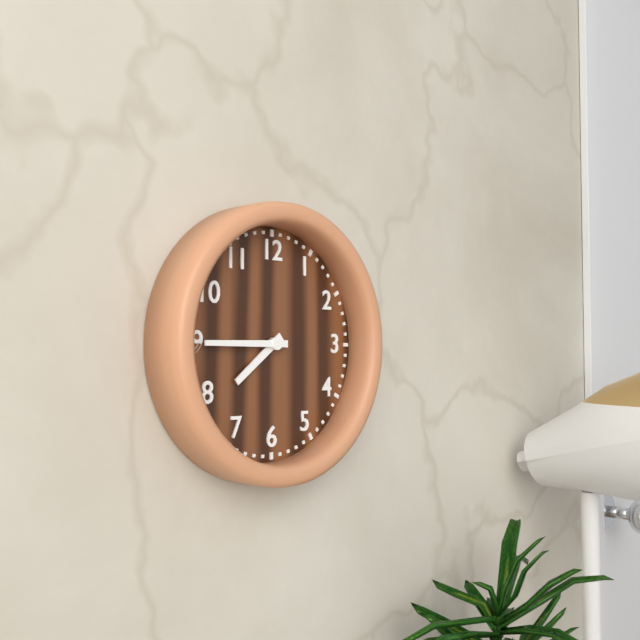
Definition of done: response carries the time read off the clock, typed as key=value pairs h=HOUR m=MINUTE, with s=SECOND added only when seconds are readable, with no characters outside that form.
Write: h=7 m=45
